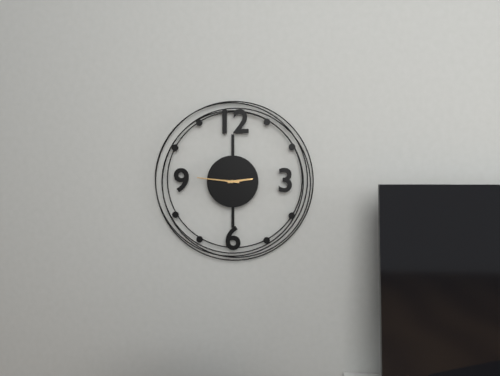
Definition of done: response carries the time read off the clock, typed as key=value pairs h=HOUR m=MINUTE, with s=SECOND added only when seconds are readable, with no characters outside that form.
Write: h=2 m=46
